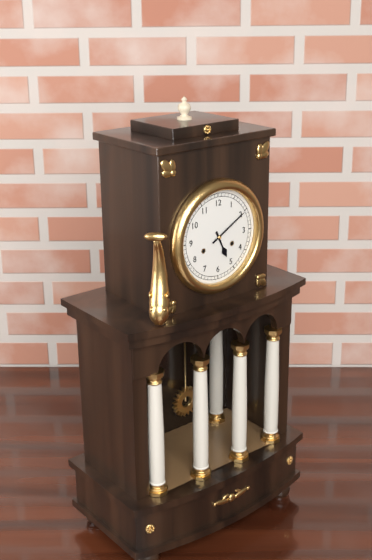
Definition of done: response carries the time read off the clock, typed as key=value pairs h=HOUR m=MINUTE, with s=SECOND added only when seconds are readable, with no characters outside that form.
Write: h=5 m=10
